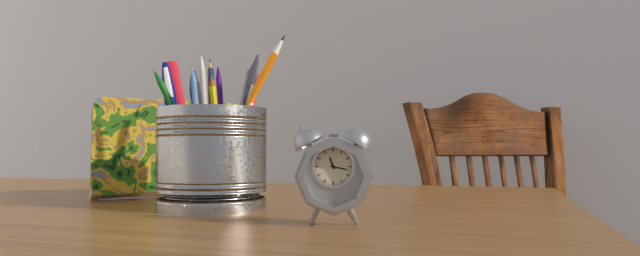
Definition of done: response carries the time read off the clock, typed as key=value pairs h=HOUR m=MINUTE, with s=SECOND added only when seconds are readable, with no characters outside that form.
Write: h=11 m=17
